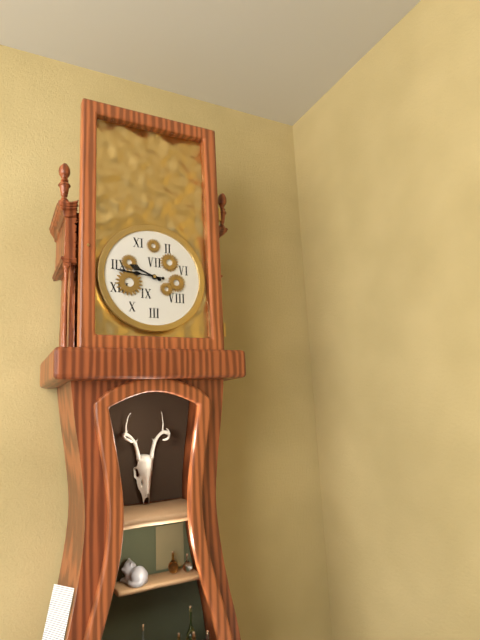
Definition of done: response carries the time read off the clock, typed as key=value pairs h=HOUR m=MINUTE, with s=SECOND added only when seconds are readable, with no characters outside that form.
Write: h=9 m=46
